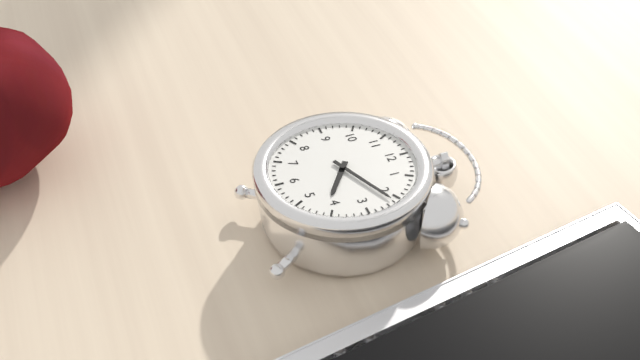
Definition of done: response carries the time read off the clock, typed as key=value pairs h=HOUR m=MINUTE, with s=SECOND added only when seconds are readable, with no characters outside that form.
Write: h=4 m=11
